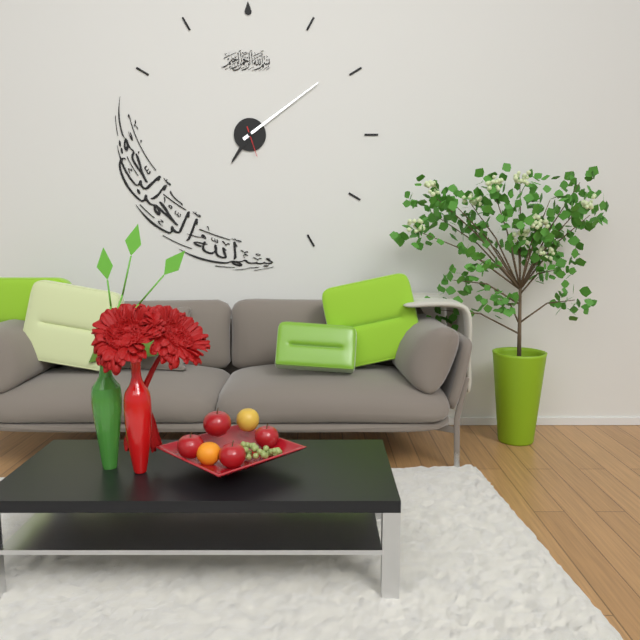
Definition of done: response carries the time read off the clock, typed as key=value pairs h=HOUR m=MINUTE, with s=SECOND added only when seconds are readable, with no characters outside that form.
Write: h=7 m=9
